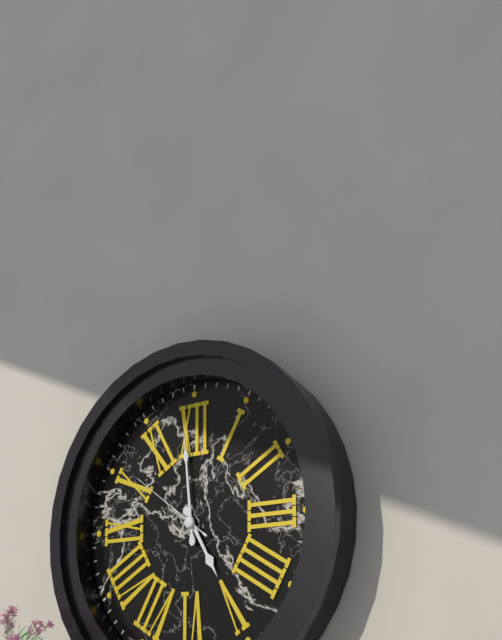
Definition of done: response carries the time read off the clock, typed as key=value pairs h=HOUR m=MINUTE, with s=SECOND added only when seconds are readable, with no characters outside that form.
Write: h=4 m=59 s=51
